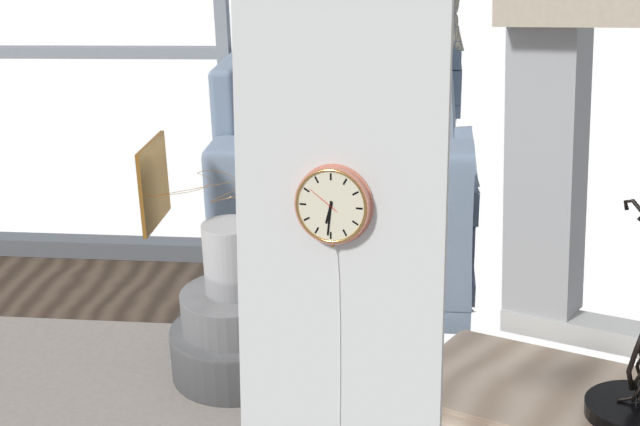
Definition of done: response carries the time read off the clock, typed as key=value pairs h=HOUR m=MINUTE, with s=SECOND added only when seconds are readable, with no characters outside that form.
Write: h=6 m=31
